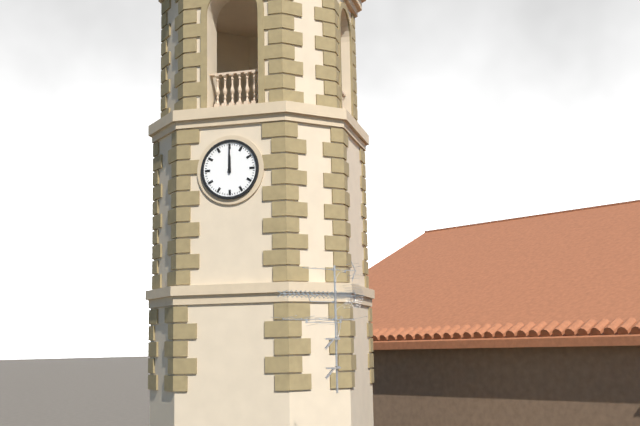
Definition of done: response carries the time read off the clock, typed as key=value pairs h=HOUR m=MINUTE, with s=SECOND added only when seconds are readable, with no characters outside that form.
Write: h=12 m=0
